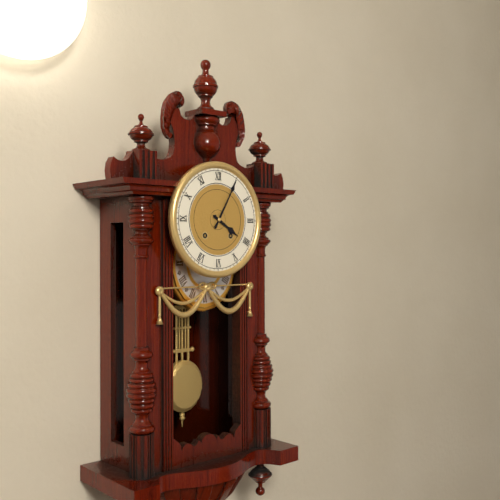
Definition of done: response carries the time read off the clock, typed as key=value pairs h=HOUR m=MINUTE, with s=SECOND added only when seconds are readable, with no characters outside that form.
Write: h=4 m=5
